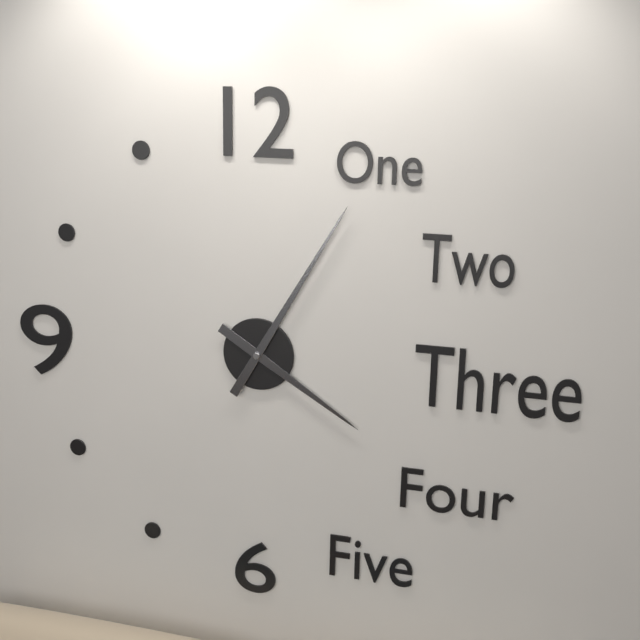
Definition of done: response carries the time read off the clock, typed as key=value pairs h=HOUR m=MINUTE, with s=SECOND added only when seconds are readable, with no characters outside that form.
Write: h=4 m=5
